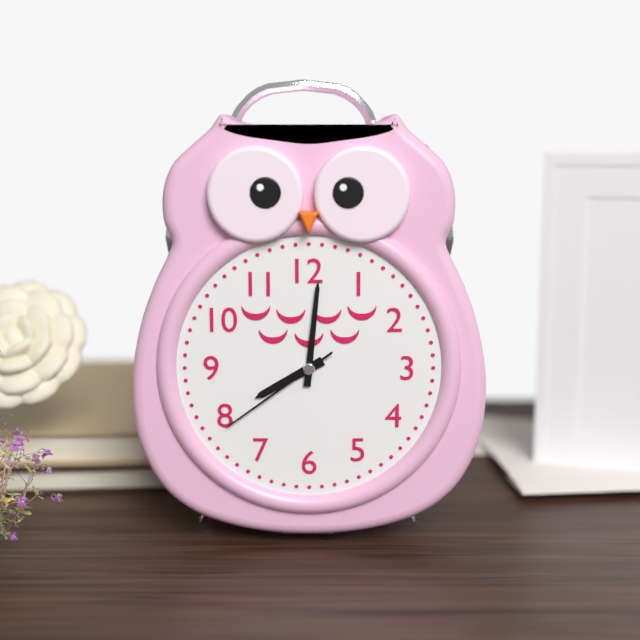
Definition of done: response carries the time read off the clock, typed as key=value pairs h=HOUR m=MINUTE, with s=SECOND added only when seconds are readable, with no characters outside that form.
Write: h=8 m=1 s=39
